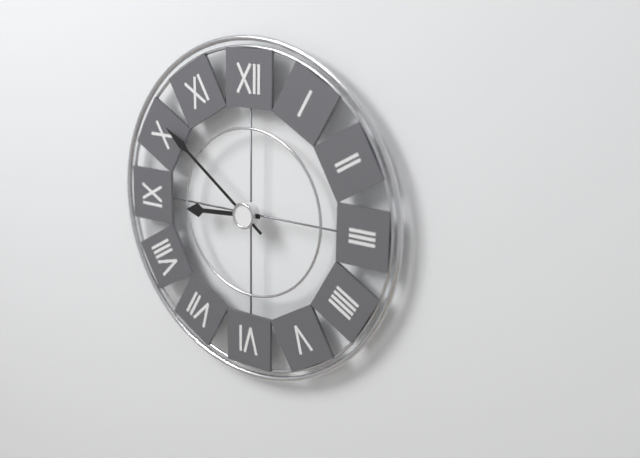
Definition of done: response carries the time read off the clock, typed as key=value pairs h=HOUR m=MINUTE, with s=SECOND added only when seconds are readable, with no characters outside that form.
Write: h=8 m=51
